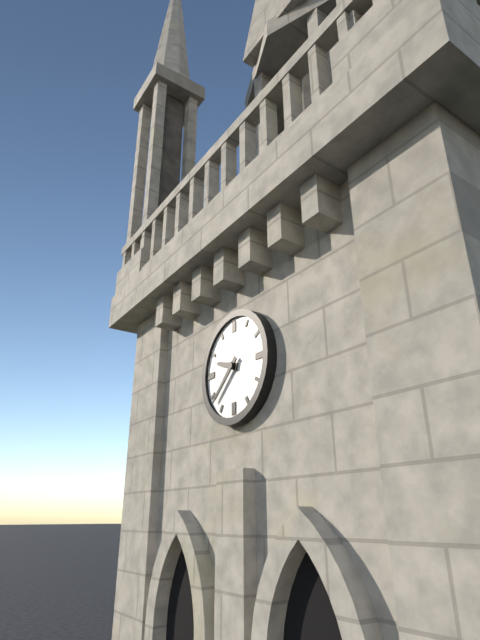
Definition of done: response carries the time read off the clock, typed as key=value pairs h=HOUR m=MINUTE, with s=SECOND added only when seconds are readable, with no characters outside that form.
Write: h=9 m=38
